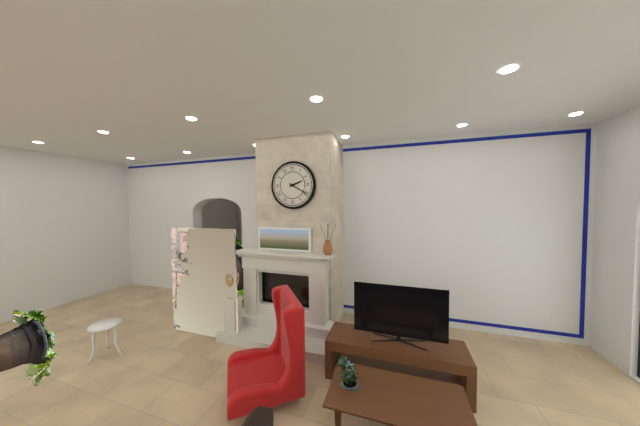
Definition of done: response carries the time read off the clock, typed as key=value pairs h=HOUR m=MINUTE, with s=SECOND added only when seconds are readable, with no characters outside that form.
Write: h=2 m=20
